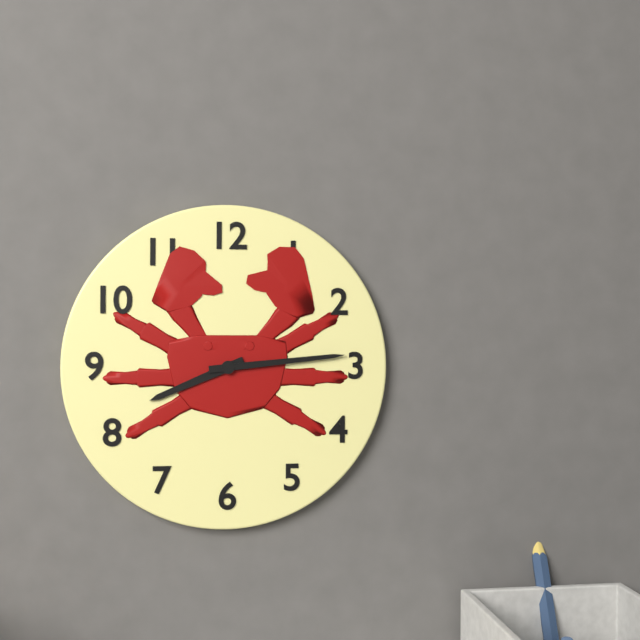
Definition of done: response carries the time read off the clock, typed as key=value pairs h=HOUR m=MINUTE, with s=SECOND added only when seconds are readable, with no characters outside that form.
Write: h=8 m=14
